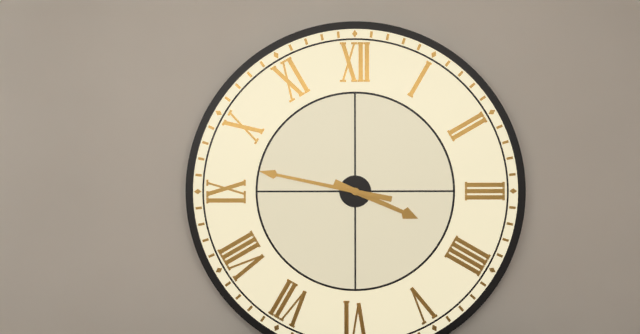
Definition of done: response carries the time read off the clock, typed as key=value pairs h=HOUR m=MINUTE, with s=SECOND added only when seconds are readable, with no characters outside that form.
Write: h=3 m=47
